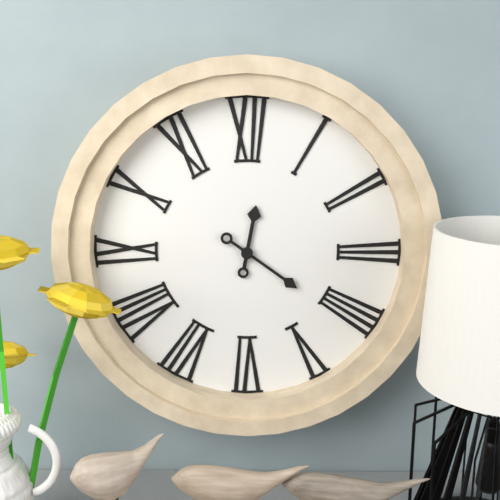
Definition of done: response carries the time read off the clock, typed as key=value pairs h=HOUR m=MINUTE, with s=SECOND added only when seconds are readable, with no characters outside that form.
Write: h=12 m=21
